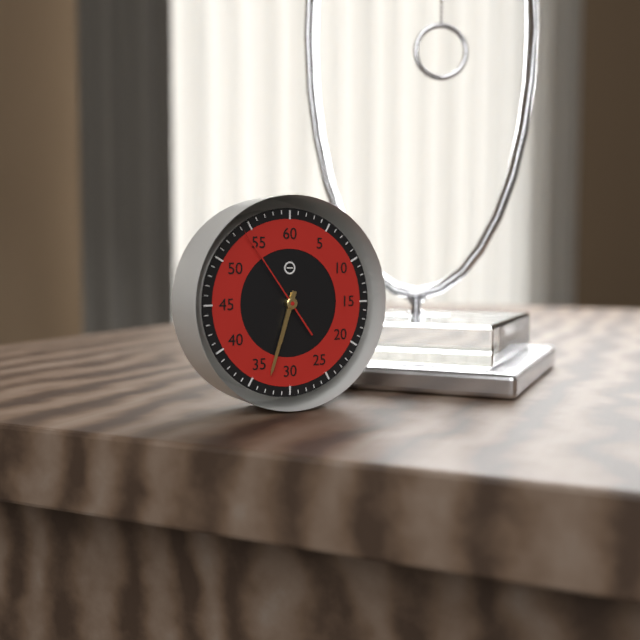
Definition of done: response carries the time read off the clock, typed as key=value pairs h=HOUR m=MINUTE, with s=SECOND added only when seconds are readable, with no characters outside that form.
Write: h=6 m=33 s=54
